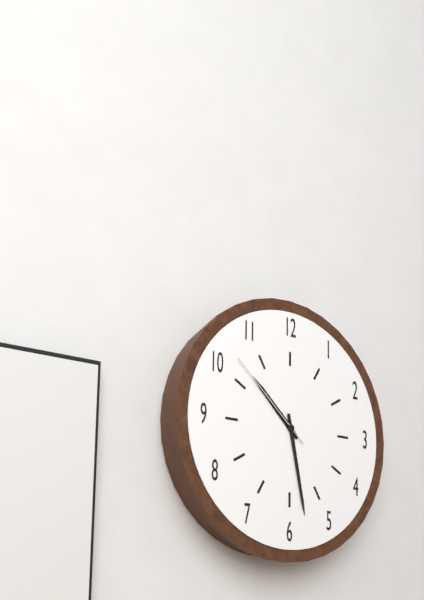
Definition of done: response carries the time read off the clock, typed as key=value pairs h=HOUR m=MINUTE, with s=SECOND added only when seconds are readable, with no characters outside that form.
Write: h=10 m=28 s=52
